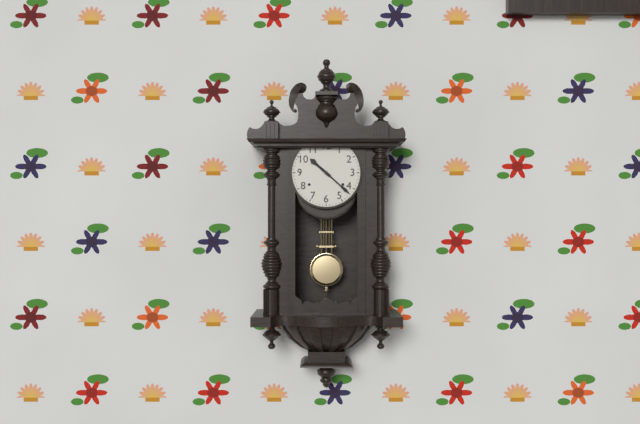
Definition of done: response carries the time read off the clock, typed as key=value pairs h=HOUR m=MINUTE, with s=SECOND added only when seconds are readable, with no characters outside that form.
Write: h=10 m=22
